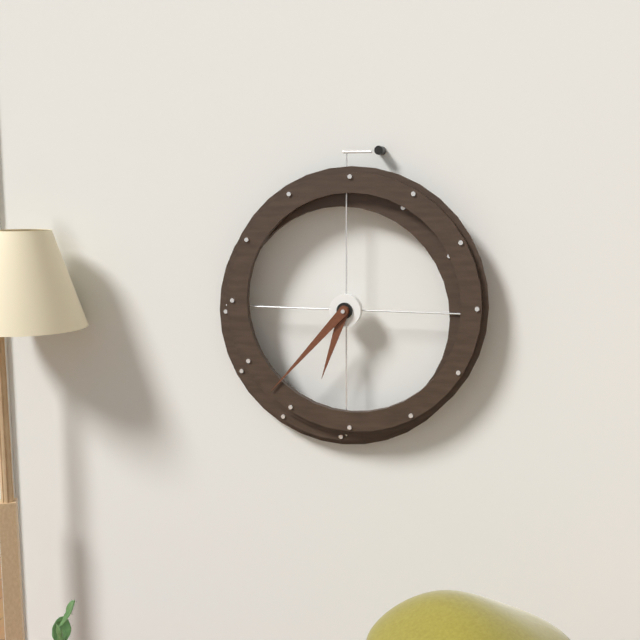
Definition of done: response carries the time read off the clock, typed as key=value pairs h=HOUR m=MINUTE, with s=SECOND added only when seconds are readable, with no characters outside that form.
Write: h=6 m=37
